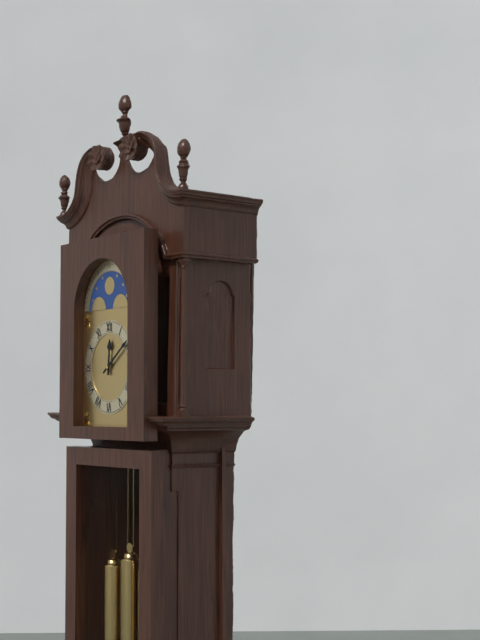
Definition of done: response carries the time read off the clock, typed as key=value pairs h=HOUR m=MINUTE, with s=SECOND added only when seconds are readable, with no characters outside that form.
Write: h=12 m=9
